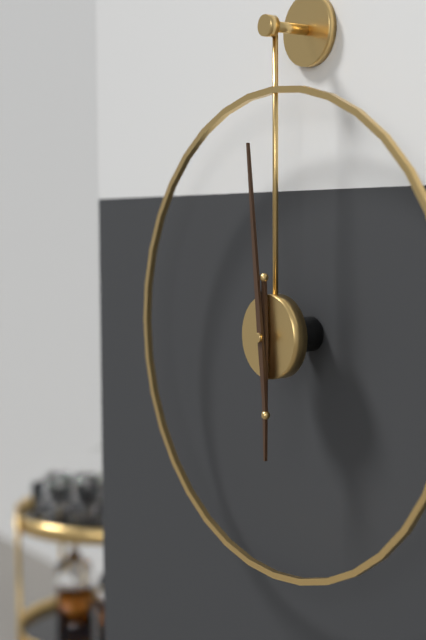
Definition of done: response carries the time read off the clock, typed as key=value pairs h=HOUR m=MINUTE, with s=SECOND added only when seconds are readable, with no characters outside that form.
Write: h=5 m=59
